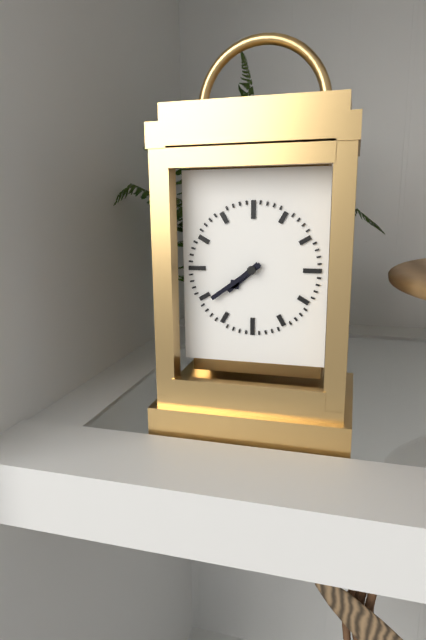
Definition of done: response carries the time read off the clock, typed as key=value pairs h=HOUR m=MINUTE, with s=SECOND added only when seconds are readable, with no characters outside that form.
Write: h=7 m=39
